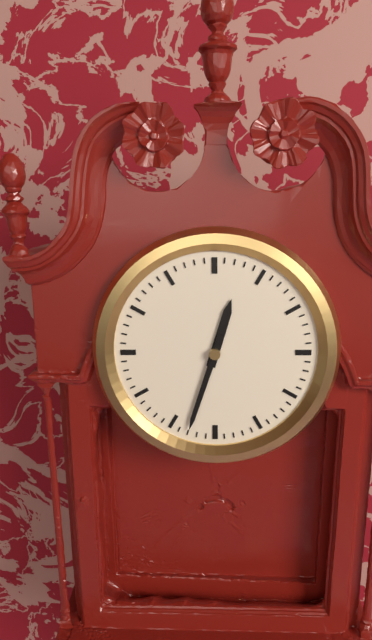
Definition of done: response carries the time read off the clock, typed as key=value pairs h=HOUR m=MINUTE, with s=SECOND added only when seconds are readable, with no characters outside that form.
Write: h=12 m=33
